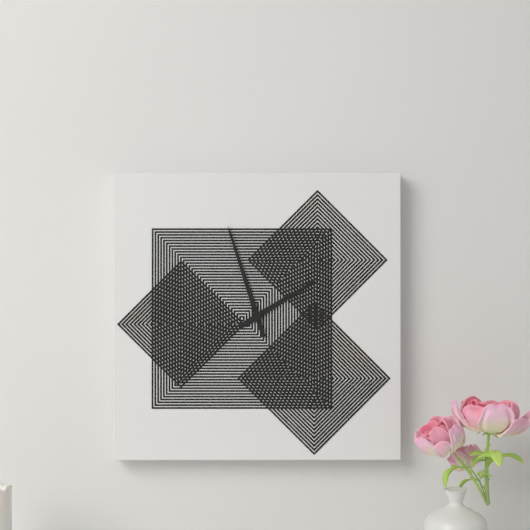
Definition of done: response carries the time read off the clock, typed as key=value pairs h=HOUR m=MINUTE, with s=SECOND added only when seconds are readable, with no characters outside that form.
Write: h=1 m=57
